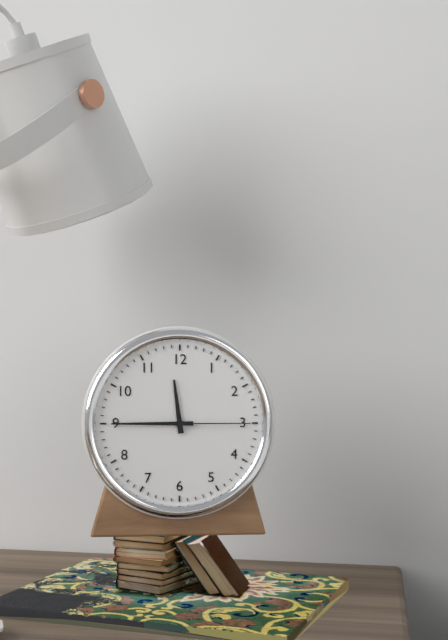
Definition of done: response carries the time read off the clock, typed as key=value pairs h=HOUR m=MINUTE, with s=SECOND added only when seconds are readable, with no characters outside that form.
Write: h=11 m=45 s=15
